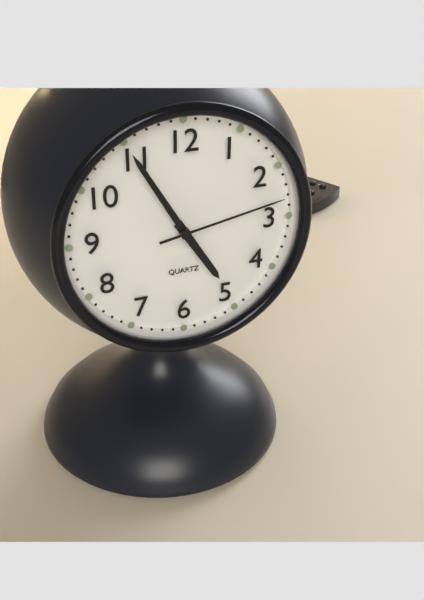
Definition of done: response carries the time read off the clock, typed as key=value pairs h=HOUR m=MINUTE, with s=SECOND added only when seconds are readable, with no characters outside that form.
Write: h=4 m=55 s=13
